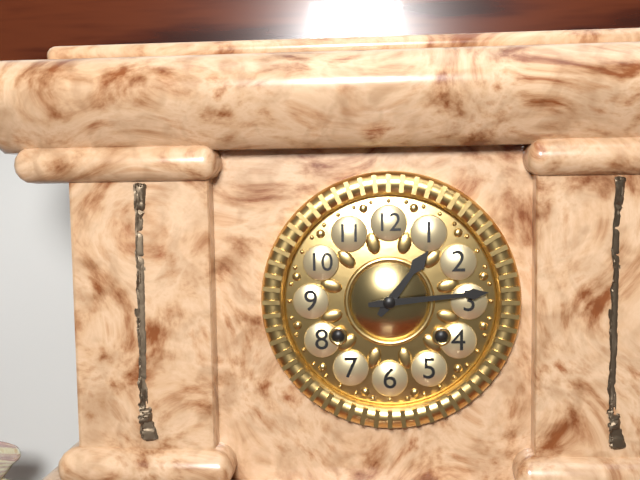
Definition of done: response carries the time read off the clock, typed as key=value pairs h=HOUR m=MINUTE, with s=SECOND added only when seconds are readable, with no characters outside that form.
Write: h=1 m=14
